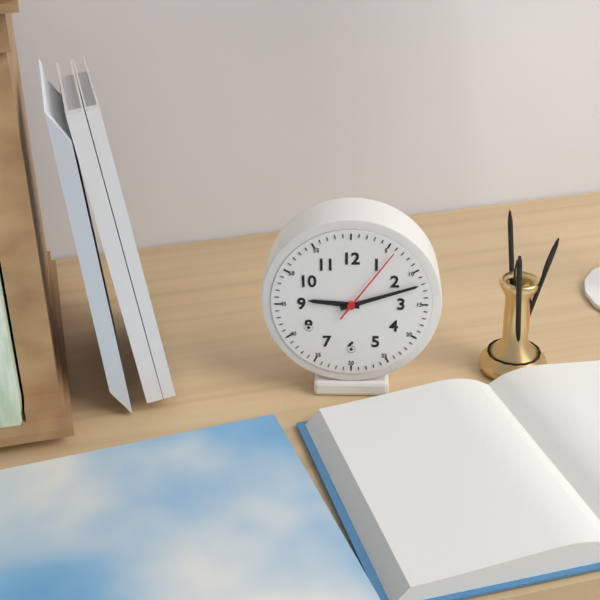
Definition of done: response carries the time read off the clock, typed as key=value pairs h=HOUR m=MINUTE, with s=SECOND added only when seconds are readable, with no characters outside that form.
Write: h=9 m=12 s=6
